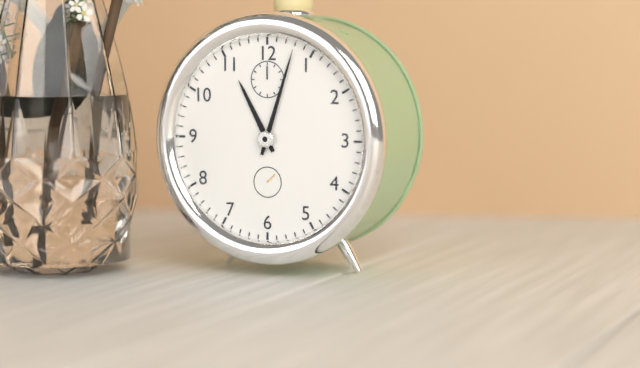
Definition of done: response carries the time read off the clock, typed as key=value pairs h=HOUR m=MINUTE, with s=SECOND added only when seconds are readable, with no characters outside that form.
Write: h=11 m=3
